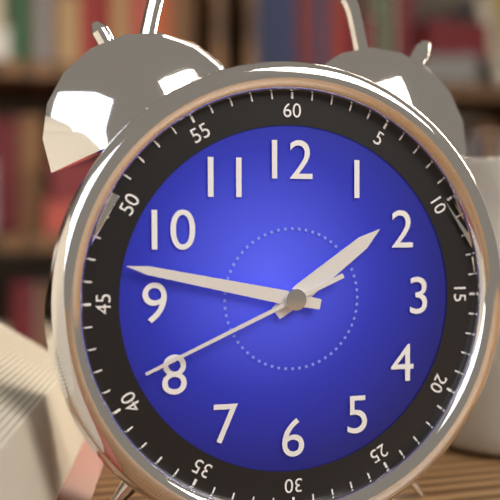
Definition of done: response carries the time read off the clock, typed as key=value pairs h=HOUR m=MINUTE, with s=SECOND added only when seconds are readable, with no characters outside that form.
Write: h=1 m=47 s=41
